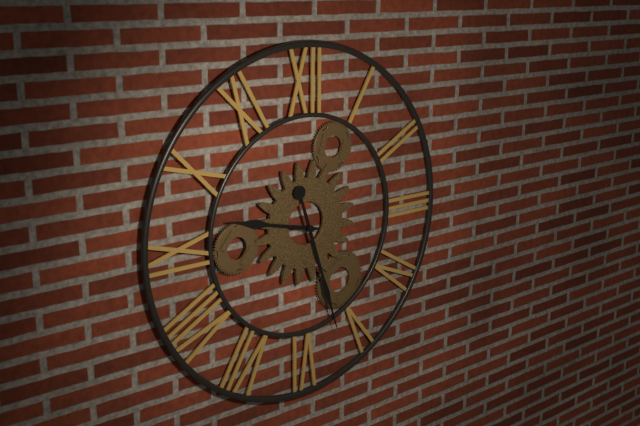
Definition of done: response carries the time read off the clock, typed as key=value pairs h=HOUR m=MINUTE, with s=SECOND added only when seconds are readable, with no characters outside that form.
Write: h=9 m=27
